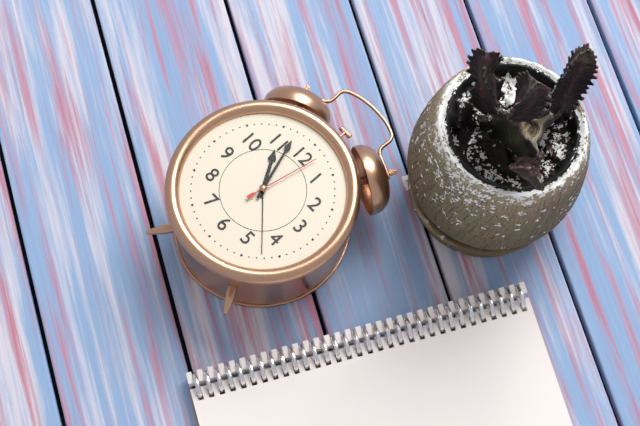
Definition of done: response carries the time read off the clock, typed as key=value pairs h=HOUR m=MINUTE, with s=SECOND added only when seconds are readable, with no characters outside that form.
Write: h=10 m=57 s=2
